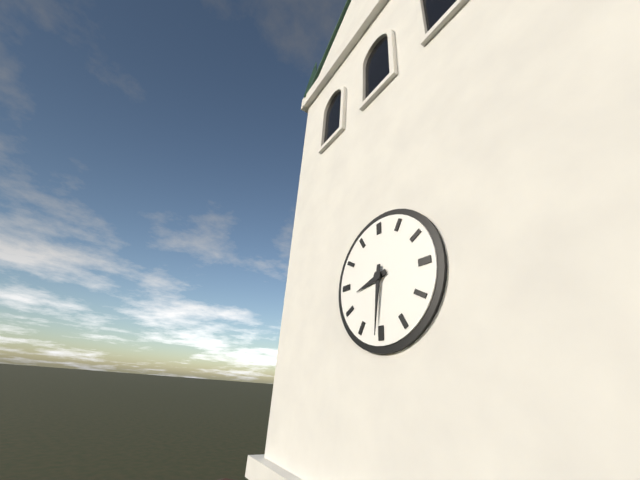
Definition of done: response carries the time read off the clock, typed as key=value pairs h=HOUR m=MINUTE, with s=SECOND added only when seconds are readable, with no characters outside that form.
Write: h=8 m=31
